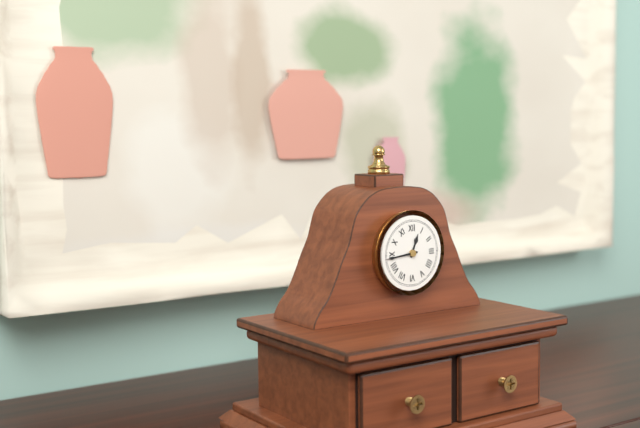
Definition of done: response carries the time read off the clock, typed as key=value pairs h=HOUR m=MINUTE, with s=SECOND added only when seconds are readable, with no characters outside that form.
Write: h=12 m=44
